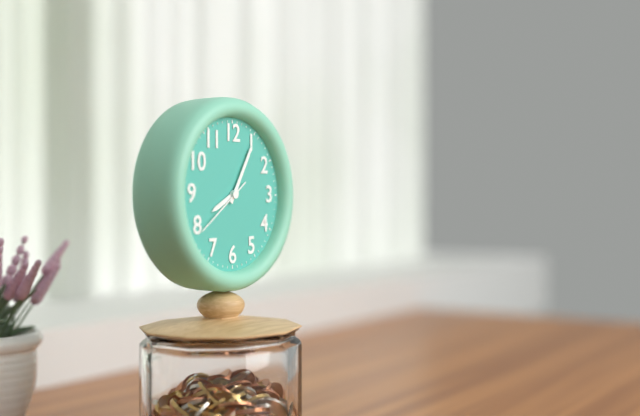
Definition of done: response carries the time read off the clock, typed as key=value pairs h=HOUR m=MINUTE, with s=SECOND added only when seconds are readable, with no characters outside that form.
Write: h=8 m=5 s=39
